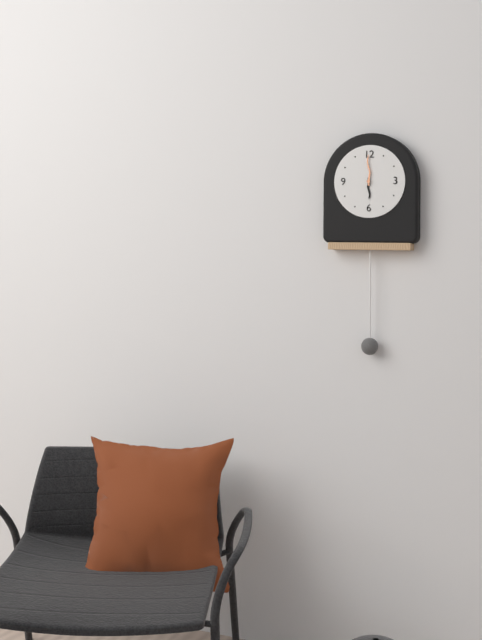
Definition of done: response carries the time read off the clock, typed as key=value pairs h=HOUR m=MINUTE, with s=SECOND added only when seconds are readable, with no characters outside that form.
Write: h=6 m=0
